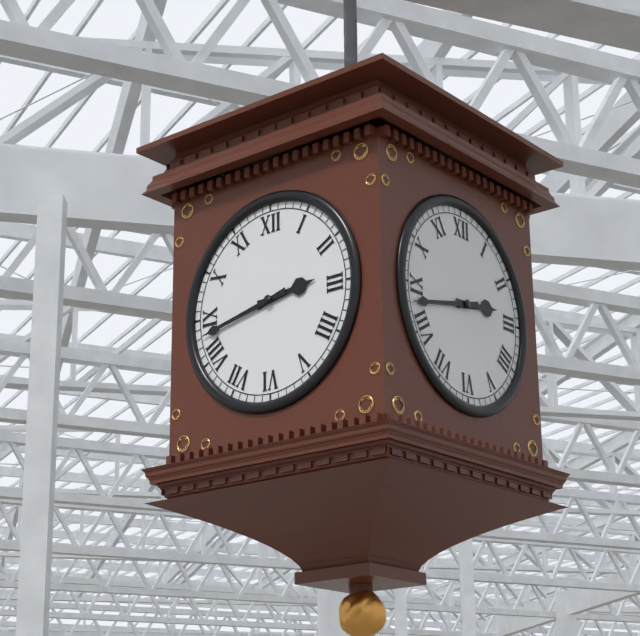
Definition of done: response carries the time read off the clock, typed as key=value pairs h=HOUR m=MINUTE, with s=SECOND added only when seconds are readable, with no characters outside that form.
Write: h=2 m=43
